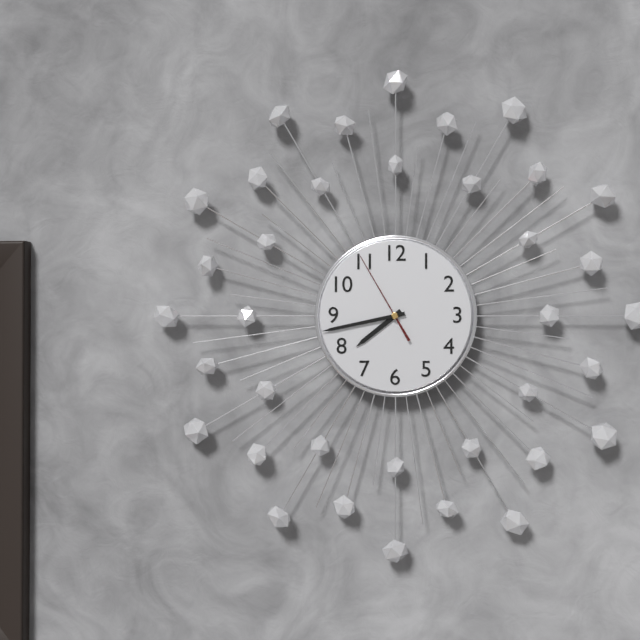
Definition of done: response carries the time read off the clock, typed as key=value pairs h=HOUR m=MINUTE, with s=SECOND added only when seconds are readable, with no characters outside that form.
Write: h=7 m=43 s=55
